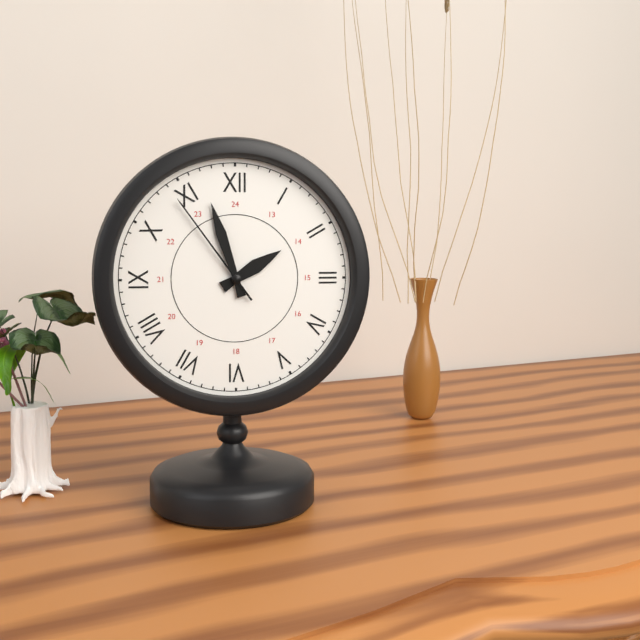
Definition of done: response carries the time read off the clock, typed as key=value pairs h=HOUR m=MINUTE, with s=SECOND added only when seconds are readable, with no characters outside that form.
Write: h=1 m=57 s=54
